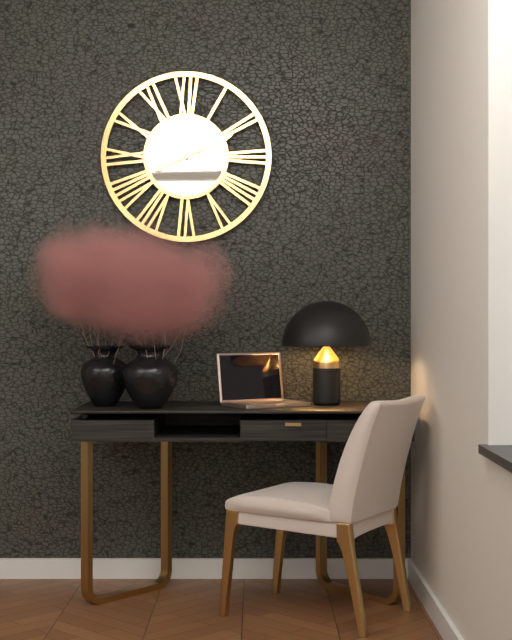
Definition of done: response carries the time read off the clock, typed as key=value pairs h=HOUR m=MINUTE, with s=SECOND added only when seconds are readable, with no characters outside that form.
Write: h=8 m=11
